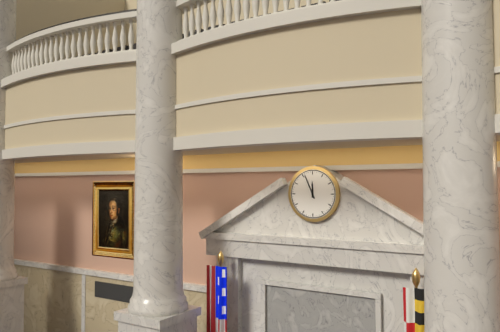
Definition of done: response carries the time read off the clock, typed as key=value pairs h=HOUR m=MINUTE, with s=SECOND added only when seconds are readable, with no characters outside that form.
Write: h=11 m=56
